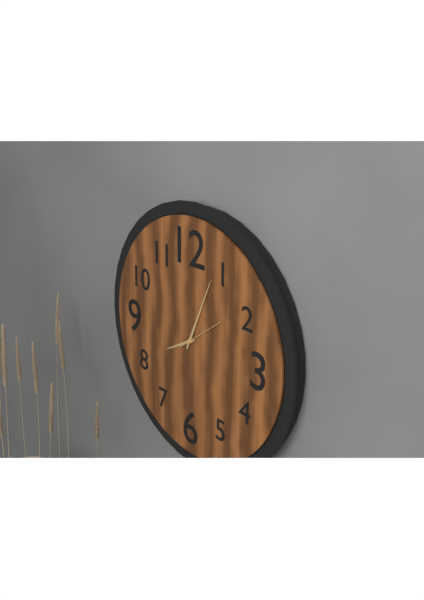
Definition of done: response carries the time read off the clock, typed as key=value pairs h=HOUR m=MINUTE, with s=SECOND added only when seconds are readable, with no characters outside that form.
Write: h=8 m=4
